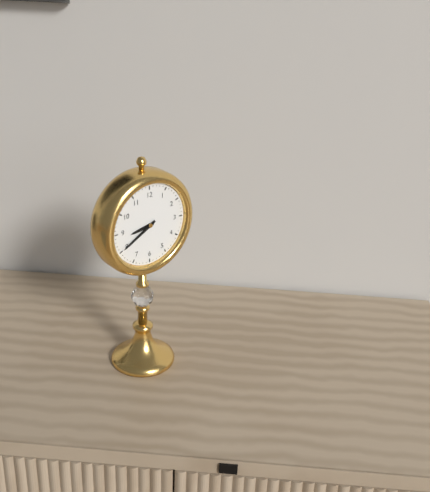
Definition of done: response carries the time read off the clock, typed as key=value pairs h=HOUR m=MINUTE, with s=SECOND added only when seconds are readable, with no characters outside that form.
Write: h=8 m=40
